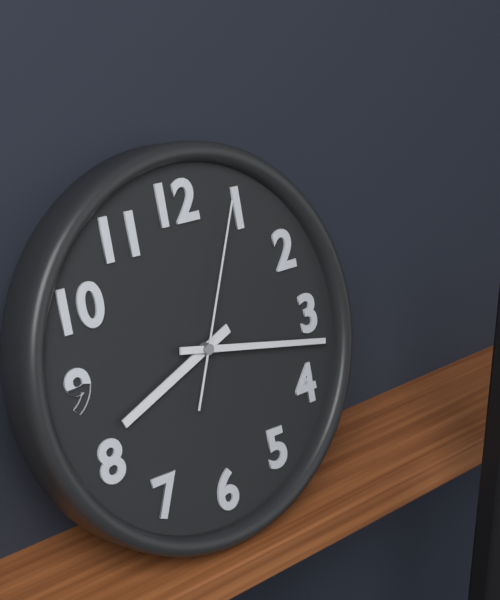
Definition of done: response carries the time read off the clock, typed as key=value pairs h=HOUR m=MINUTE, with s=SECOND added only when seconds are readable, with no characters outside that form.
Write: h=8 m=17 s=4
